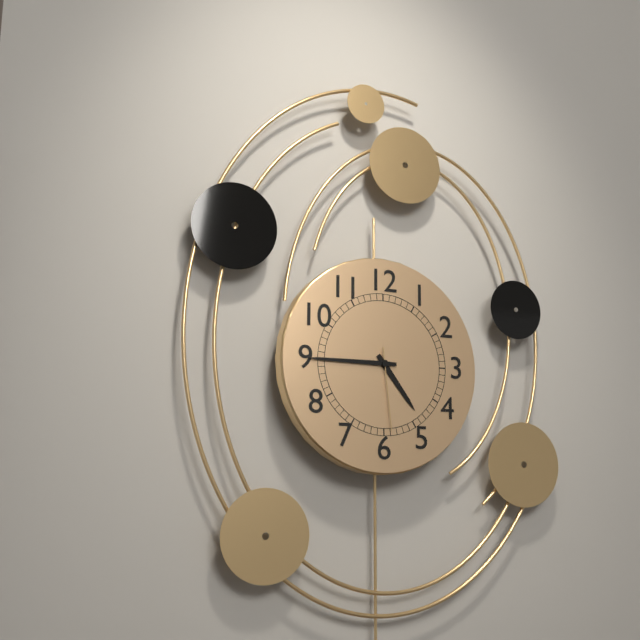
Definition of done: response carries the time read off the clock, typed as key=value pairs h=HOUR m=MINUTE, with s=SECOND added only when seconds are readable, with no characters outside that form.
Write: h=4 m=45 s=29
